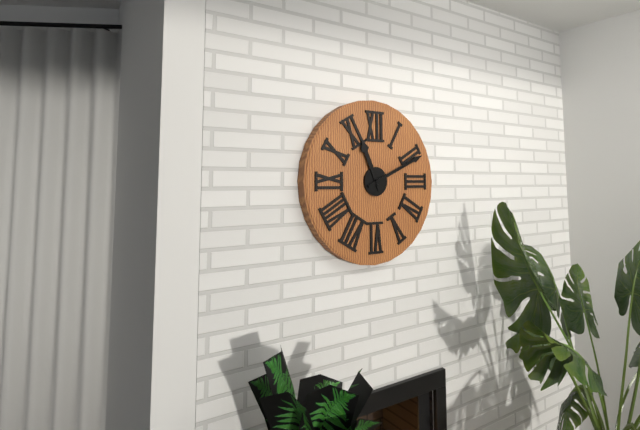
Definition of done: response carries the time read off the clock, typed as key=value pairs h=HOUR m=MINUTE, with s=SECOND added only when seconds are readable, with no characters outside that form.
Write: h=11 m=11
